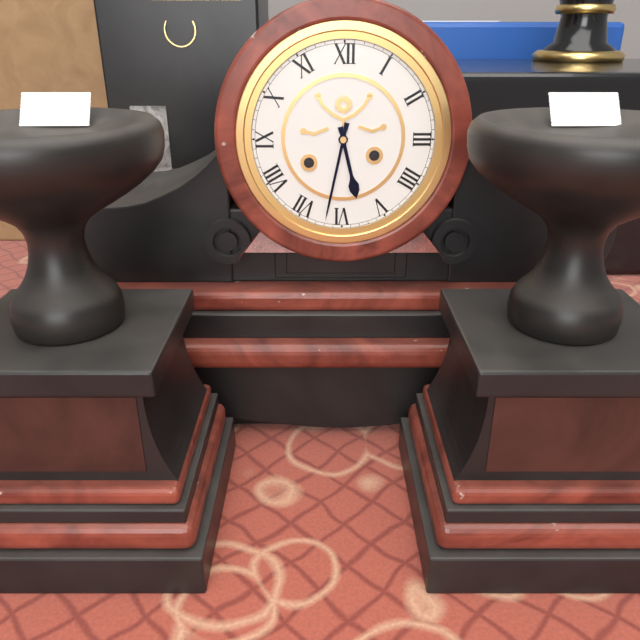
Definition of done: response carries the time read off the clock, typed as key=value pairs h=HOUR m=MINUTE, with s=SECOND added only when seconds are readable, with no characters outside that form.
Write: h=5 m=32
